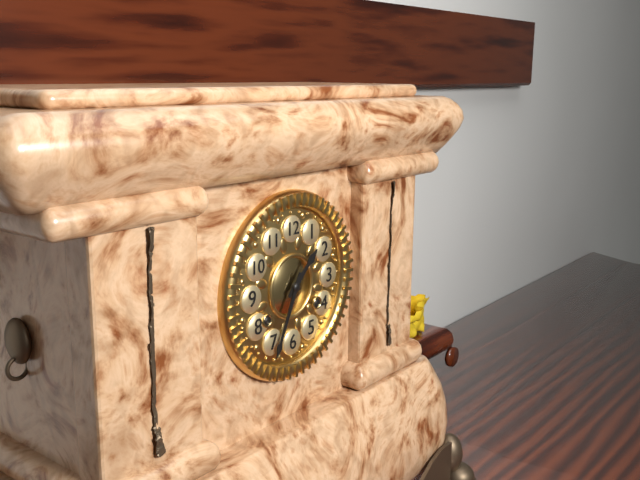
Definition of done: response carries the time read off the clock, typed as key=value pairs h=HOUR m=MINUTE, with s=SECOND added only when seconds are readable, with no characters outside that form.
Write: h=1 m=34
